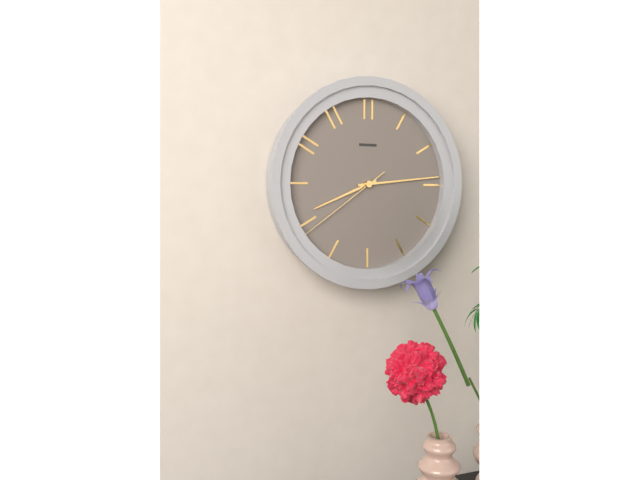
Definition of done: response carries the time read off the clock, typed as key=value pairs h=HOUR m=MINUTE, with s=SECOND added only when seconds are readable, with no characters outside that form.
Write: h=8 m=14 s=39
